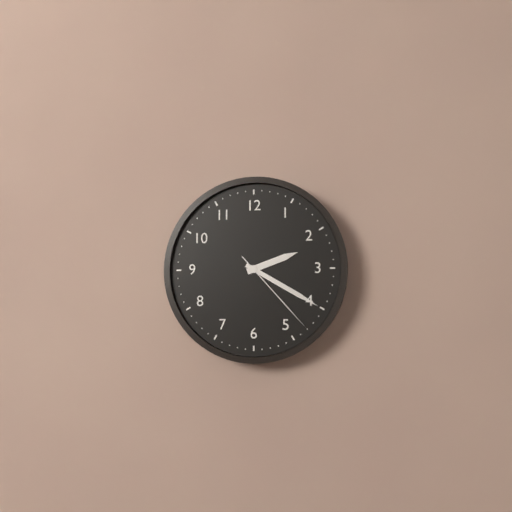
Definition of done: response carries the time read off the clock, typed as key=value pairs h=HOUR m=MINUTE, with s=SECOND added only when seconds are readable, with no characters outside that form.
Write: h=2 m=20 s=23
